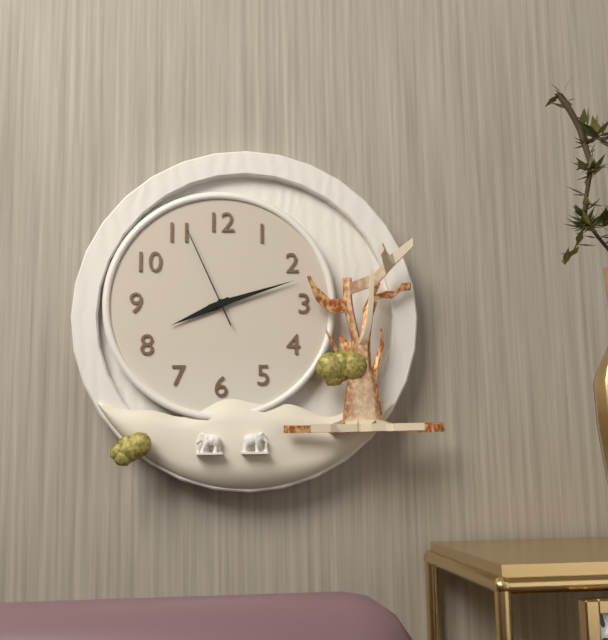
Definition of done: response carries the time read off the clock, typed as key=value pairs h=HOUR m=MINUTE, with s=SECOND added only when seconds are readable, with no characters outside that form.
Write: h=8 m=12 s=56
